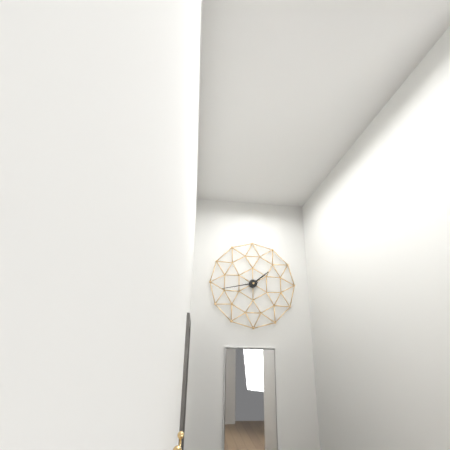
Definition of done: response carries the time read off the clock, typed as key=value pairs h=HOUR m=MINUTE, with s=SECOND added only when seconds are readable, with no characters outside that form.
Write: h=1 m=43
